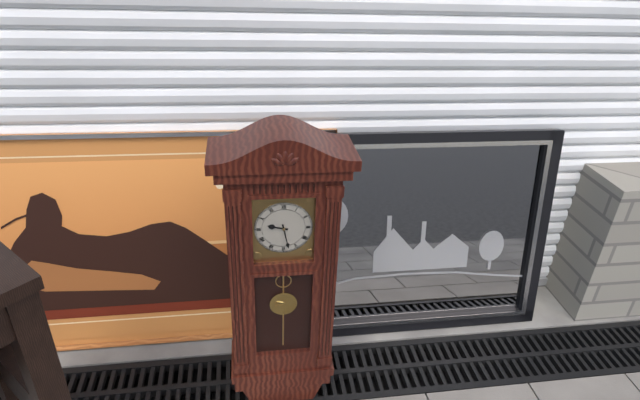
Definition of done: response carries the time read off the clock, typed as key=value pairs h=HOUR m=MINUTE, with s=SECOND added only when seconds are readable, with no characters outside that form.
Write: h=9 m=28
